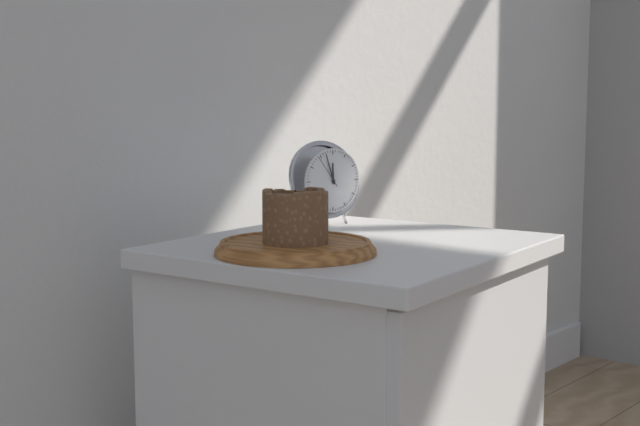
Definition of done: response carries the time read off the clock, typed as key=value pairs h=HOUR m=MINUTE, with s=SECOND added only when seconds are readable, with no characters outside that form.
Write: h=11 m=57
